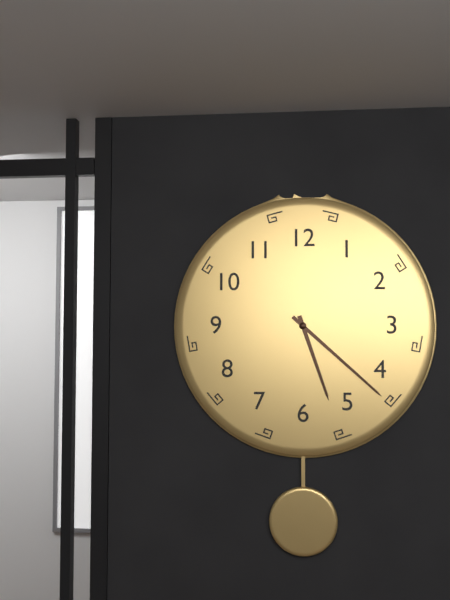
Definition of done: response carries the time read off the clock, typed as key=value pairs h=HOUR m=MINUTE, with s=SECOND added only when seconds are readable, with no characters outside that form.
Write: h=5 m=22
